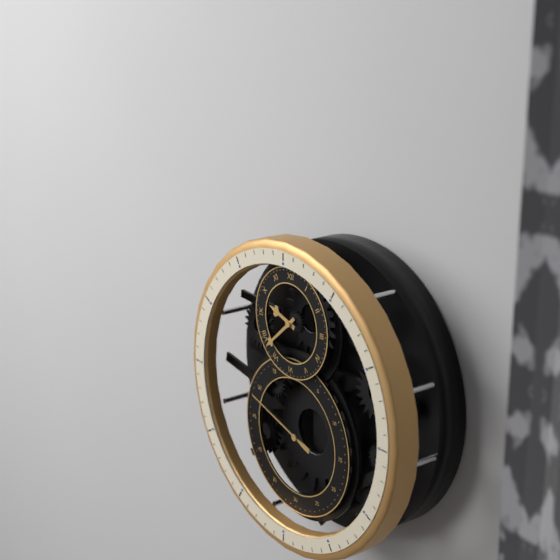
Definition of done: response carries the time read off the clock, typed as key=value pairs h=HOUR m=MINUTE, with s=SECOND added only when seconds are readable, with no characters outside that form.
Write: h=9 m=38 s=48
